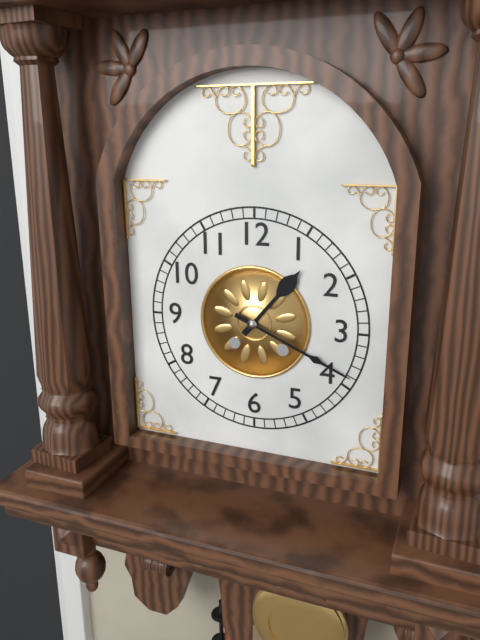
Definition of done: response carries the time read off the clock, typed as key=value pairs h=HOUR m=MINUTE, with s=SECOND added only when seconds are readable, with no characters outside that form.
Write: h=1 m=19
